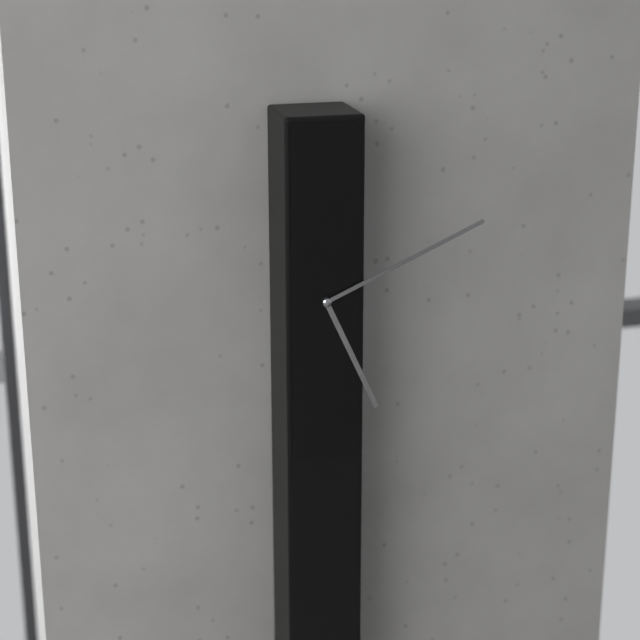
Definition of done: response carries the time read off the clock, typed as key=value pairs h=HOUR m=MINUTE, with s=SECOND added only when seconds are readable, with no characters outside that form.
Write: h=5 m=11
